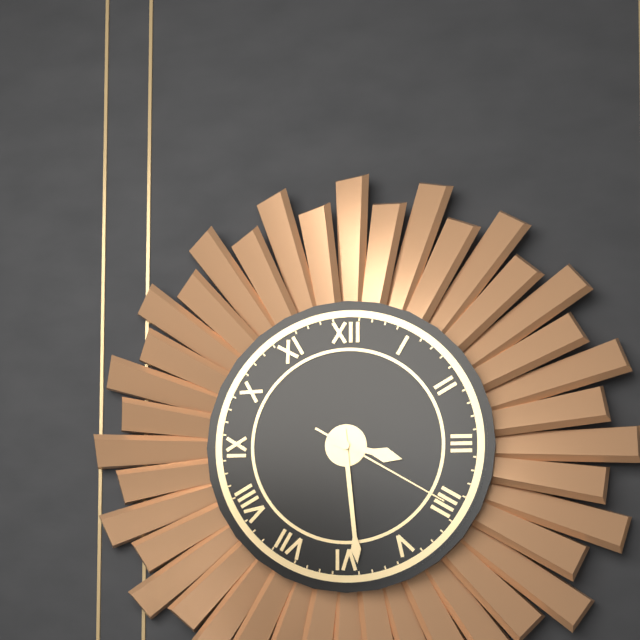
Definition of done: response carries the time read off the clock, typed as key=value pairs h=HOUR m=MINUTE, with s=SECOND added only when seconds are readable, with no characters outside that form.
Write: h=3 m=29 s=20
